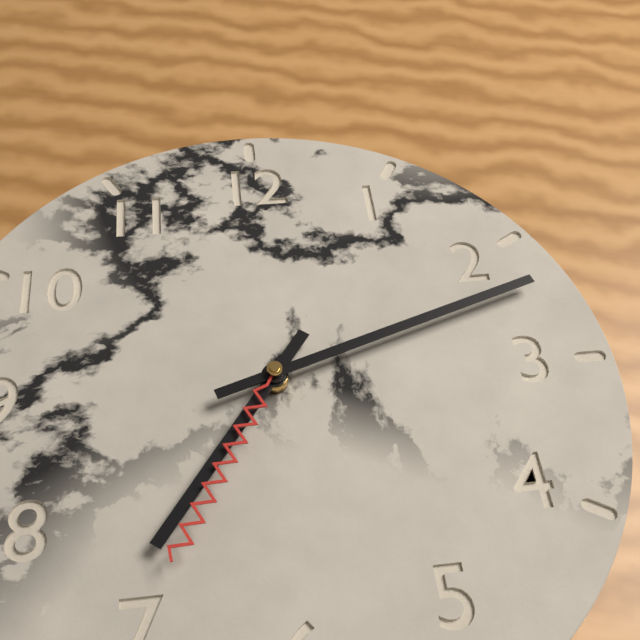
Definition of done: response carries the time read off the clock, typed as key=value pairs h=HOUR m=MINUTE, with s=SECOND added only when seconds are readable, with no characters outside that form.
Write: h=7 m=12 s=35
